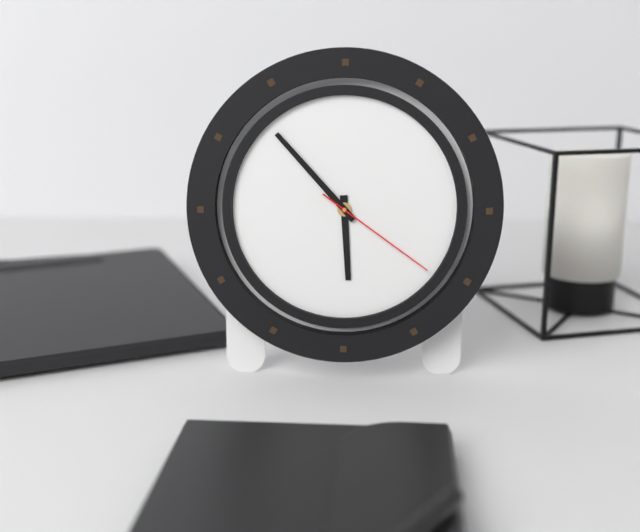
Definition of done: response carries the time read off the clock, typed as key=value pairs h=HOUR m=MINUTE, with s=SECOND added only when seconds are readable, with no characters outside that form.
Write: h=5 m=53 s=21
